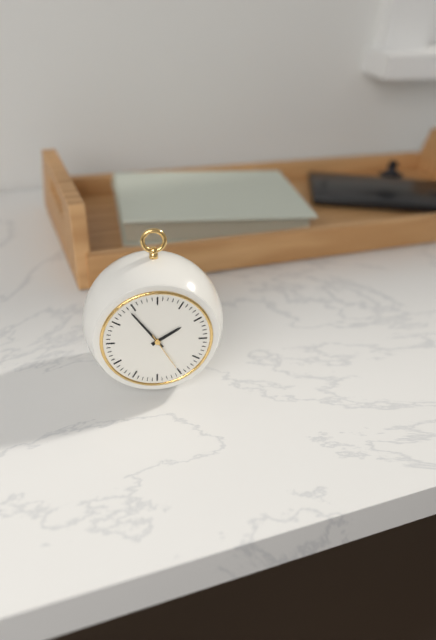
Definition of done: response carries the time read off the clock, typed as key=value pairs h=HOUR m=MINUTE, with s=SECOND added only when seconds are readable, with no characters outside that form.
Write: h=1 m=54
